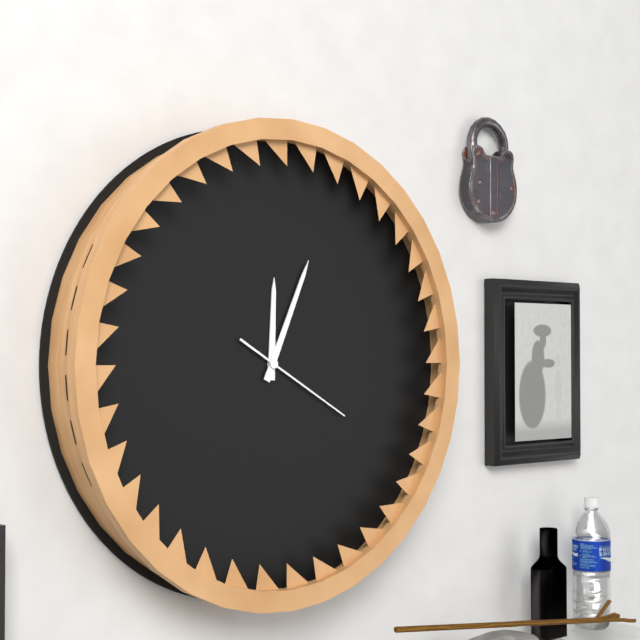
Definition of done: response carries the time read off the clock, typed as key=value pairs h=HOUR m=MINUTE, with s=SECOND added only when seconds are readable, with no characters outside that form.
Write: h=12 m=4 s=20
